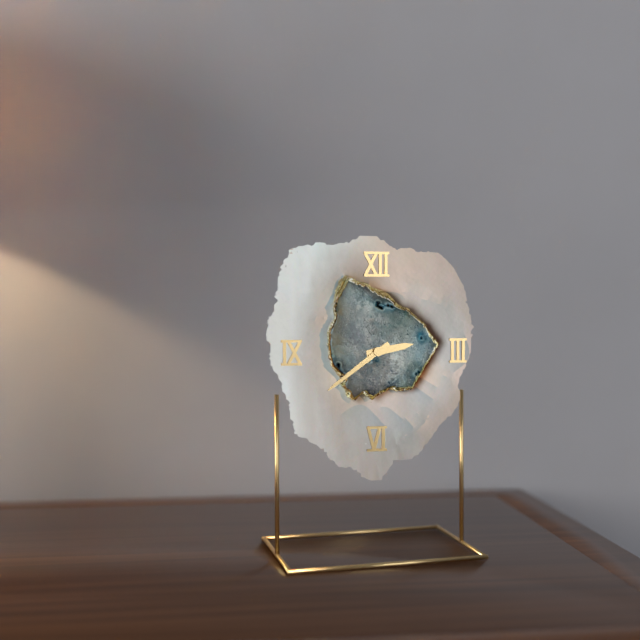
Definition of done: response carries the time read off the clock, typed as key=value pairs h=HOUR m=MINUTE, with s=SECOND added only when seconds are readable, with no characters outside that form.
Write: h=2 m=39
